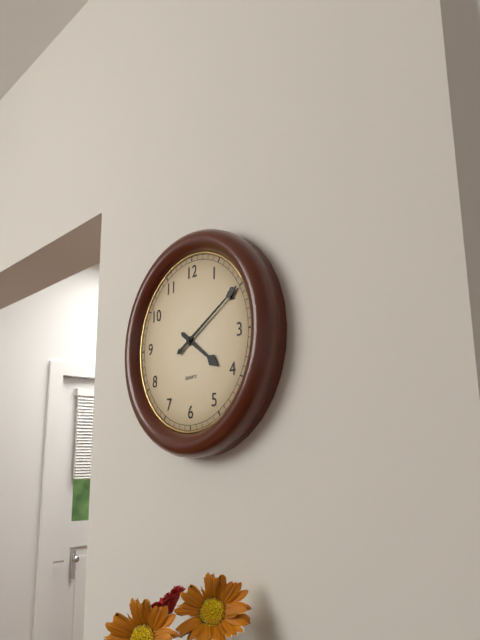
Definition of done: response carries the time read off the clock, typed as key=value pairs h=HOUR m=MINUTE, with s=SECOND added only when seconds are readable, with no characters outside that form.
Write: h=4 m=10
